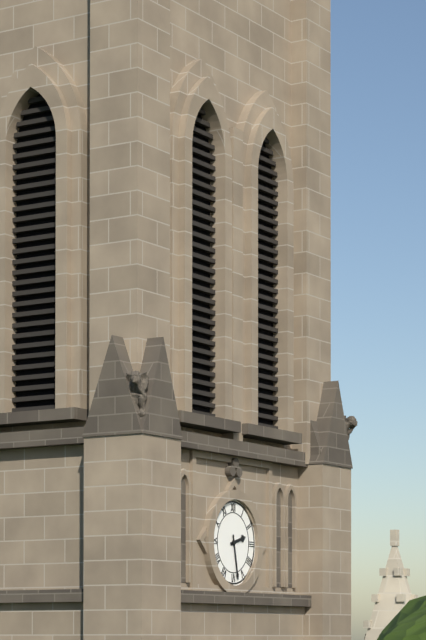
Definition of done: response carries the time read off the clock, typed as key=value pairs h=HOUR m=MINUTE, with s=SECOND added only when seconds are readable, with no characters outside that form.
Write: h=2 m=28
